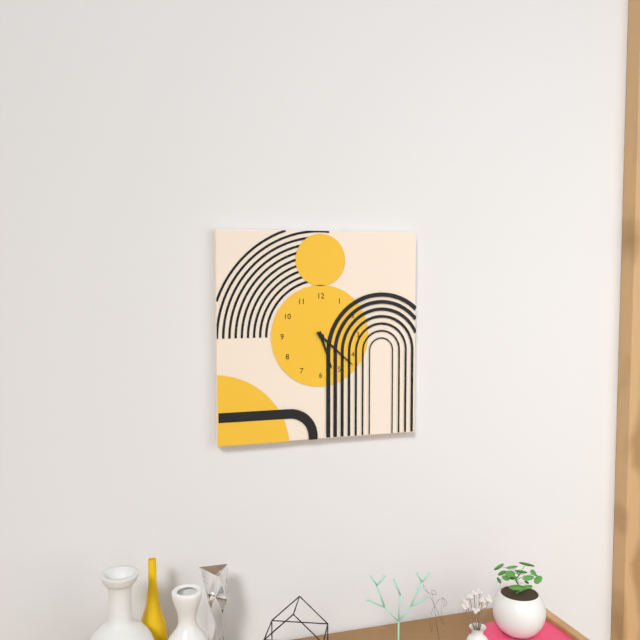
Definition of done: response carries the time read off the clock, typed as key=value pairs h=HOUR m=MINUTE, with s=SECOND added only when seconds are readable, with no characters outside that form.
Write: h=5 m=22
